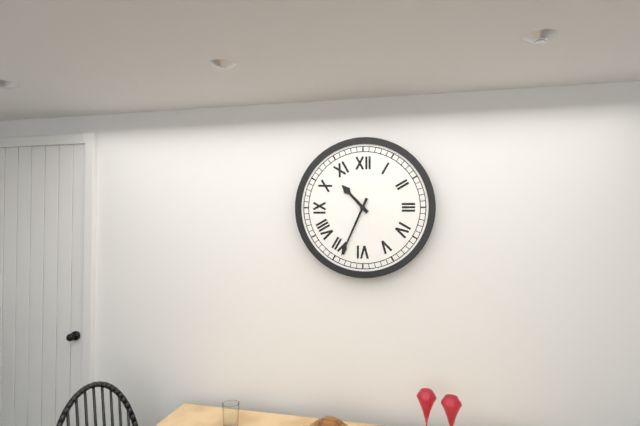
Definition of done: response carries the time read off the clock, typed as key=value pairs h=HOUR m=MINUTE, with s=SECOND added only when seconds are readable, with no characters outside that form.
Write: h=10 m=34
